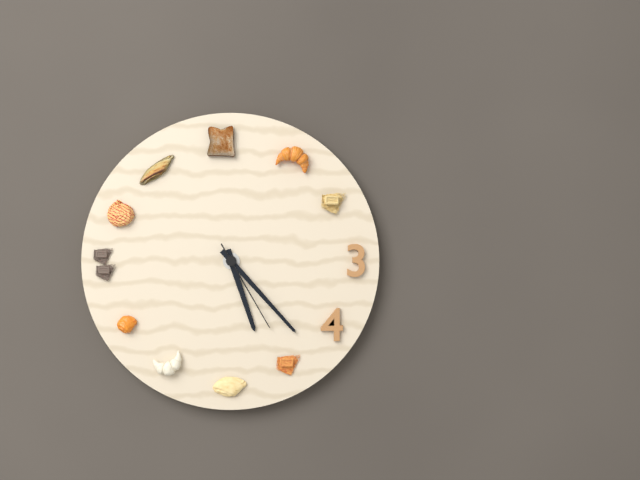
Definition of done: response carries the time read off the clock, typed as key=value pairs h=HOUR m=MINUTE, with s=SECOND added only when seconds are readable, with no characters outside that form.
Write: h=5 m=23 s=25
